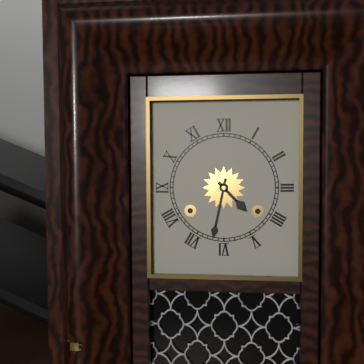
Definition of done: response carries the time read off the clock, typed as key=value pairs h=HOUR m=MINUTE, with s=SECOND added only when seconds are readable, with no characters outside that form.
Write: h=4 m=32
